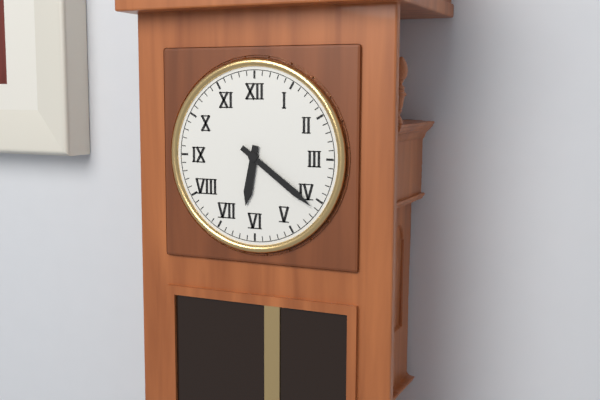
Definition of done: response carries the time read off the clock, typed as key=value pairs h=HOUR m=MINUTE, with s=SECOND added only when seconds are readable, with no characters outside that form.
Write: h=6 m=21
